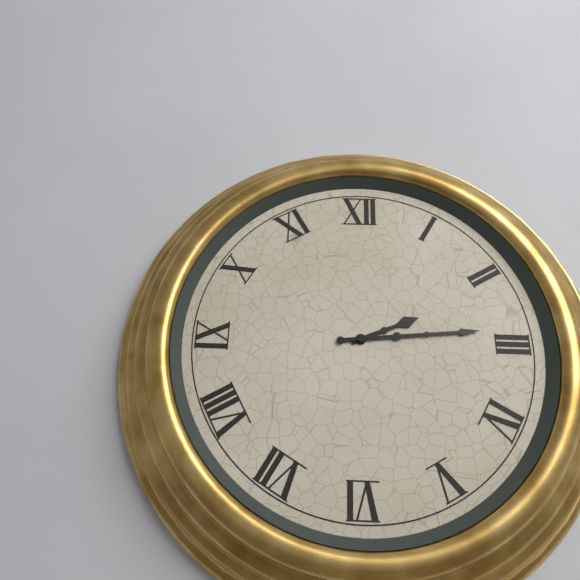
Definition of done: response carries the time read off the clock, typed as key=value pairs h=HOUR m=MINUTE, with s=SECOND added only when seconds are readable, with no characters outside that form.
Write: h=2 m=14
